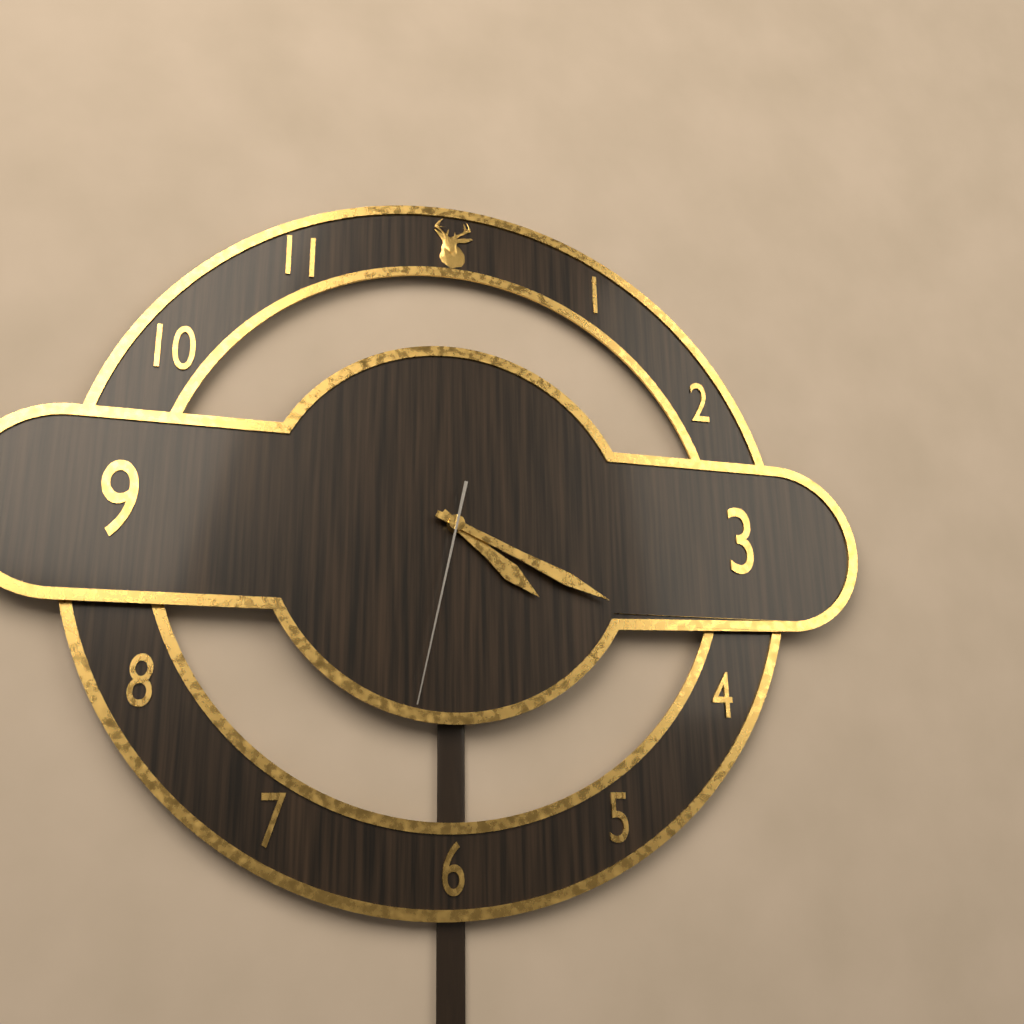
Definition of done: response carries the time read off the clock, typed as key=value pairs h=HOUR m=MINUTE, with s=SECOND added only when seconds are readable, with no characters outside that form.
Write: h=4 m=19 s=32
